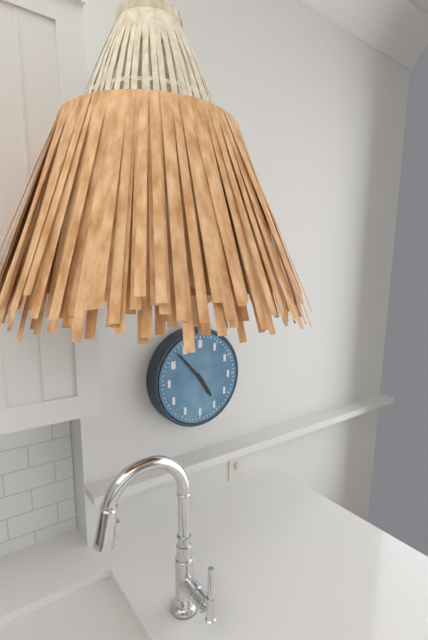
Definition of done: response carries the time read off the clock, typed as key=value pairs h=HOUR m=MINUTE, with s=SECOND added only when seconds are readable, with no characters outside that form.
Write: h=4 m=53
